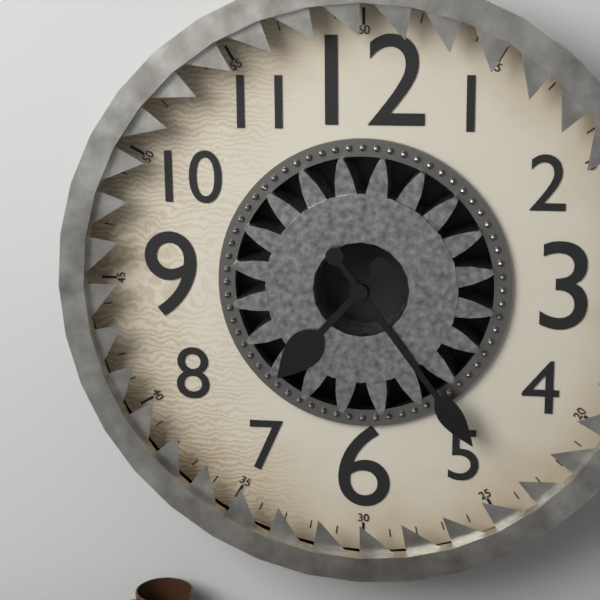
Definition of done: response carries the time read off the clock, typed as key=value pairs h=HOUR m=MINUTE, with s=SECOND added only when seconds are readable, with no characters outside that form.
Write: h=7 m=24
